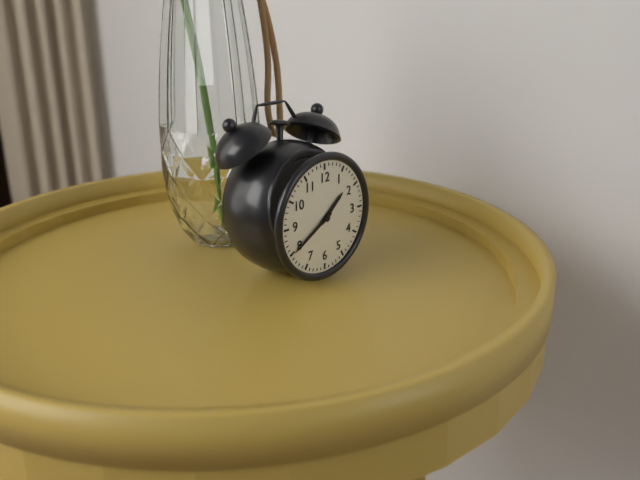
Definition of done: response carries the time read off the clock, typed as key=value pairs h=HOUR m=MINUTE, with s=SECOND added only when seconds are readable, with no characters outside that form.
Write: h=1 m=40
